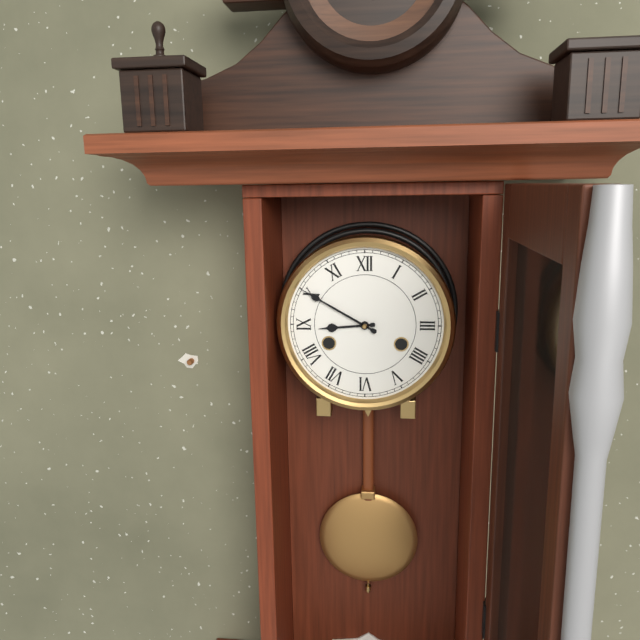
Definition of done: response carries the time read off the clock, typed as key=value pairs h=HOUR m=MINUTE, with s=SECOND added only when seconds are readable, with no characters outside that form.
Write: h=8 m=50
